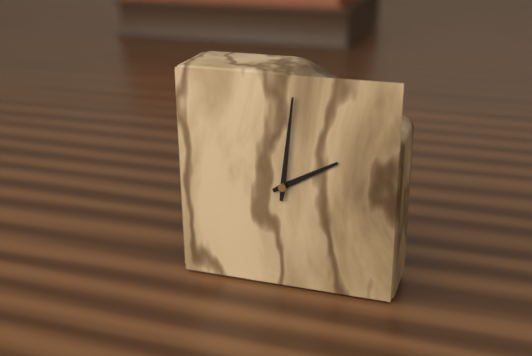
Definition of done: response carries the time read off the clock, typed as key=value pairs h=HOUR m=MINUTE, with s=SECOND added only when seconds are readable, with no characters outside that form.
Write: h=2 m=1
